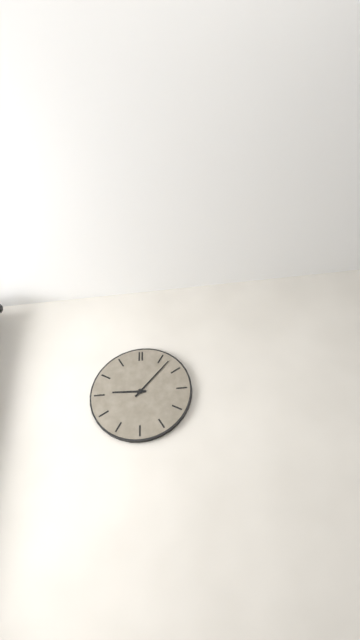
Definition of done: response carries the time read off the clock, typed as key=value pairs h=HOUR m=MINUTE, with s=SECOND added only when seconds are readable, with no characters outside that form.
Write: h=9 m=7
